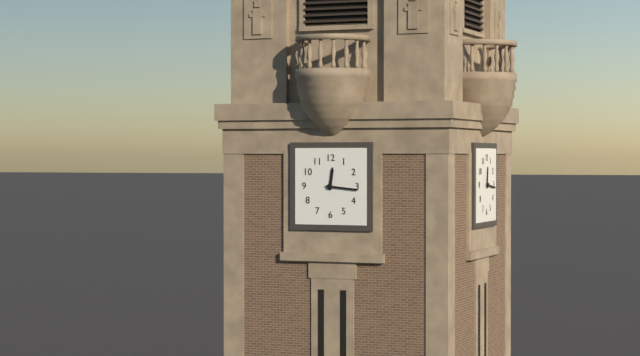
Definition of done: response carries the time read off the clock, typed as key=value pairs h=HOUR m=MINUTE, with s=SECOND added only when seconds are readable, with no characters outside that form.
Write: h=12 m=16
